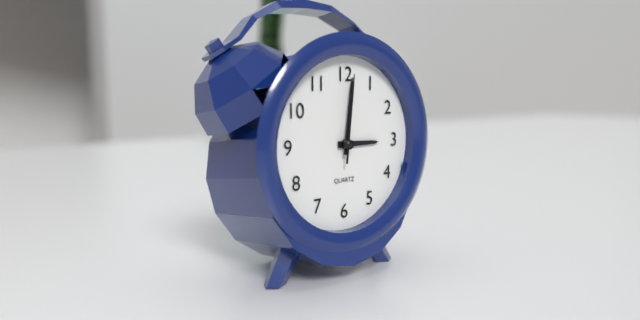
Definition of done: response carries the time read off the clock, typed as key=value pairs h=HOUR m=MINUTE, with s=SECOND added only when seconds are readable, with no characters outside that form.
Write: h=3 m=1 s=1
